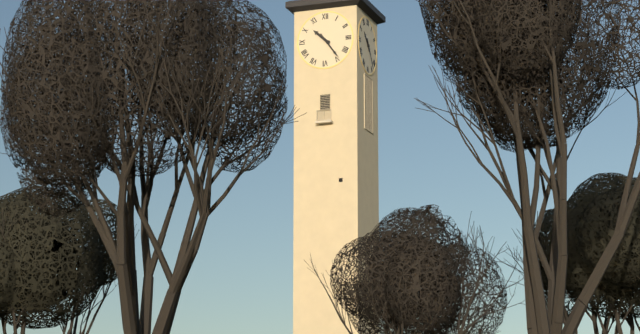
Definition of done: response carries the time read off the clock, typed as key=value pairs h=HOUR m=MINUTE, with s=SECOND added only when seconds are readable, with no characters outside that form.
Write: h=10 m=24
